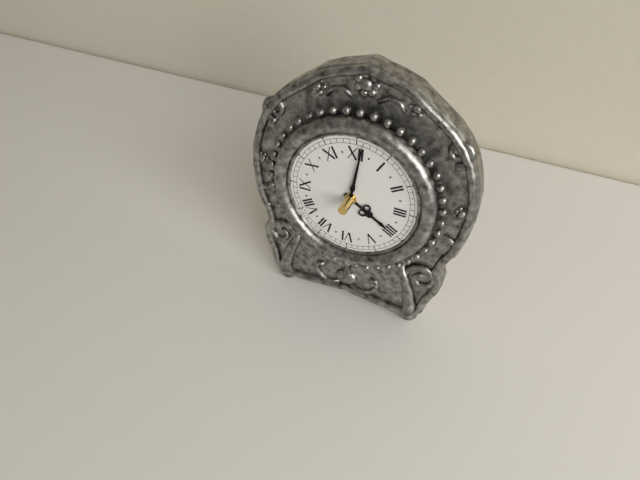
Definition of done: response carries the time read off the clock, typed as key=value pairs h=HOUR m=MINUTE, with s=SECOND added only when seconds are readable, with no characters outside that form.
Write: h=4 m=1
